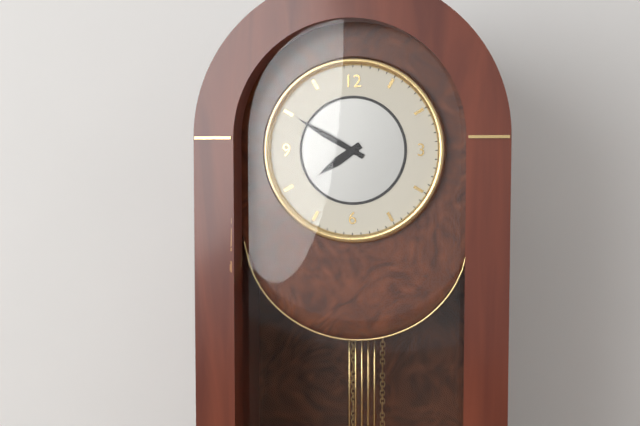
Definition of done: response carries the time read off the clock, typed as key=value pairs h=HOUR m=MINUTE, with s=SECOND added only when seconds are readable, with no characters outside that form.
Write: h=7 m=50
